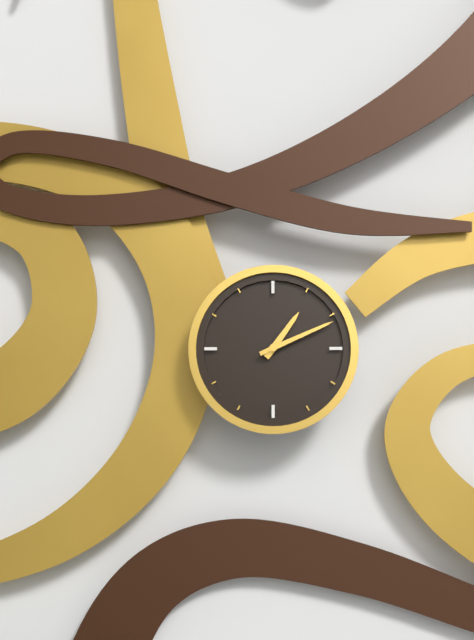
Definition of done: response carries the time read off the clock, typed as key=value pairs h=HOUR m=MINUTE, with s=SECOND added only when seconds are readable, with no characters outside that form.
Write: h=1 m=11
